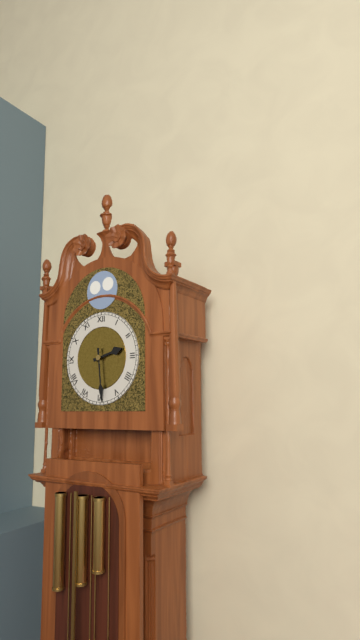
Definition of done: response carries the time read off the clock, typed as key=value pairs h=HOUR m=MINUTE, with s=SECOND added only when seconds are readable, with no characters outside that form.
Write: h=2 m=29
